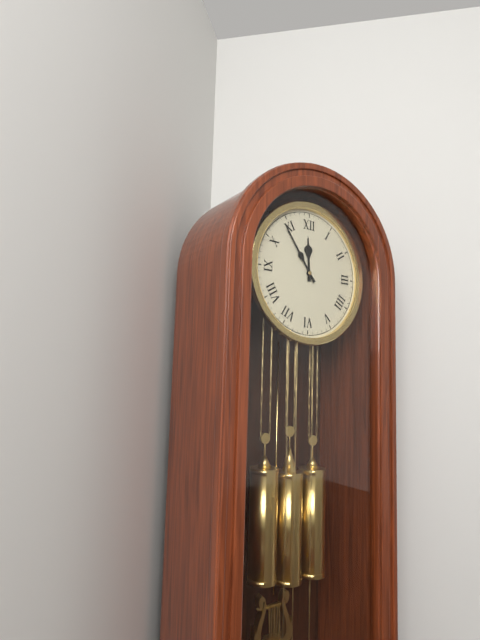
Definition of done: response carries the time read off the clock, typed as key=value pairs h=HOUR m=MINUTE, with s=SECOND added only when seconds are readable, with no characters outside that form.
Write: h=11 m=54
